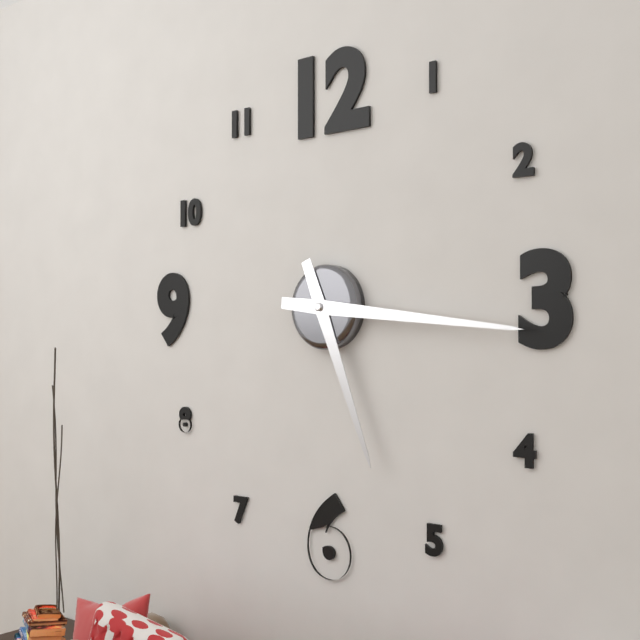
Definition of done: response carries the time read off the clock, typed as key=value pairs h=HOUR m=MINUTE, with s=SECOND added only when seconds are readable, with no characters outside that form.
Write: h=5 m=16
